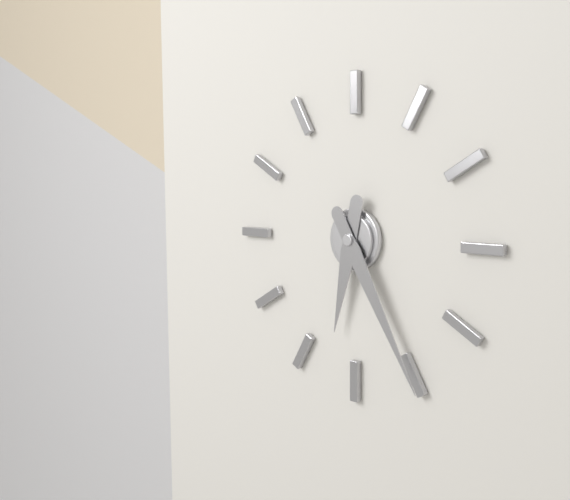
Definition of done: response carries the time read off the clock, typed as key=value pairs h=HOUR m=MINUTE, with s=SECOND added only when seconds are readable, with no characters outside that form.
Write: h=6 m=25
